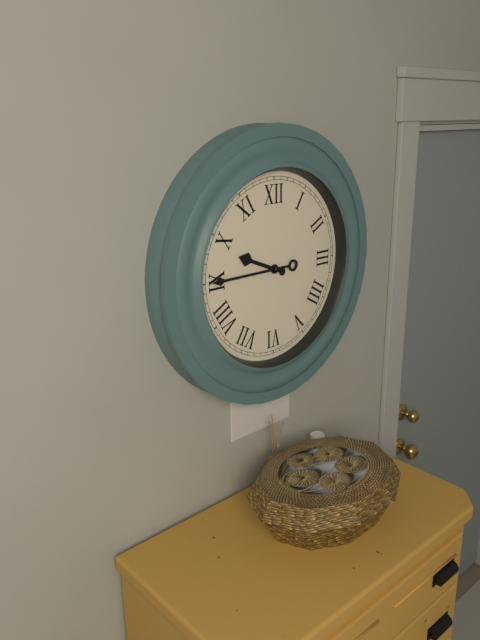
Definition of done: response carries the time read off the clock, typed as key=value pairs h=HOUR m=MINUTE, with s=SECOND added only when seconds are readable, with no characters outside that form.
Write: h=9 m=45
